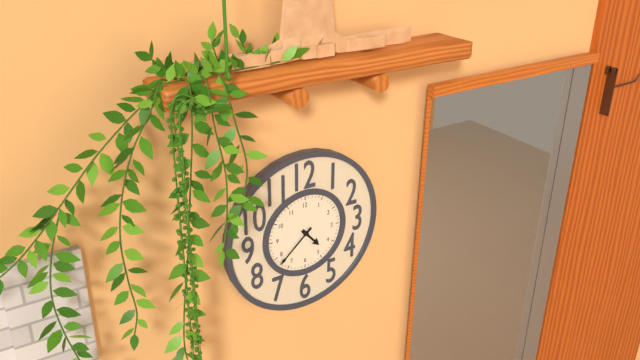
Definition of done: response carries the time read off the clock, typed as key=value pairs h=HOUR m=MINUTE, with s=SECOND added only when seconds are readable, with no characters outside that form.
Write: h=4 m=38
